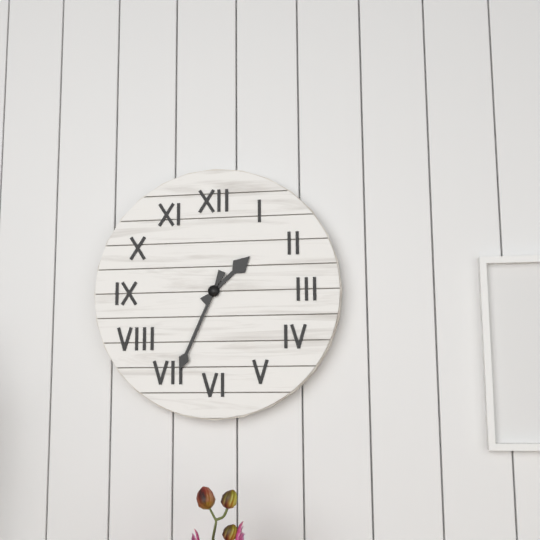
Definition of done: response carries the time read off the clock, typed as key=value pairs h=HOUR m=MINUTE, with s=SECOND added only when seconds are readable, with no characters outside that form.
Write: h=1 m=34
